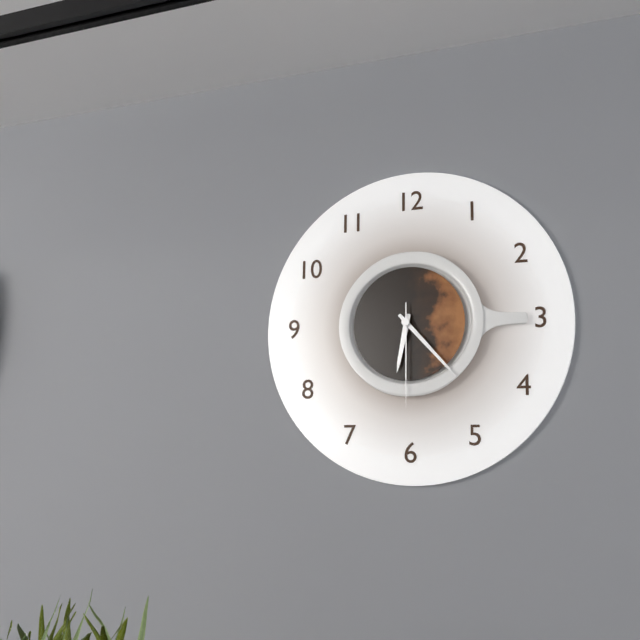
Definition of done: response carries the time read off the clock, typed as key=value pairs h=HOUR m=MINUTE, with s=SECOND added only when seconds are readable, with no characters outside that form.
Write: h=6 m=23 s=30
